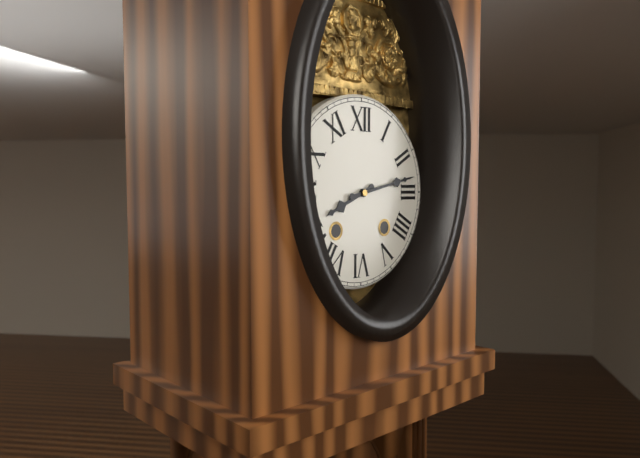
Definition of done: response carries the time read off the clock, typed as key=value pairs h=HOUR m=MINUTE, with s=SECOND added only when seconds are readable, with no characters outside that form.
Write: h=8 m=13
